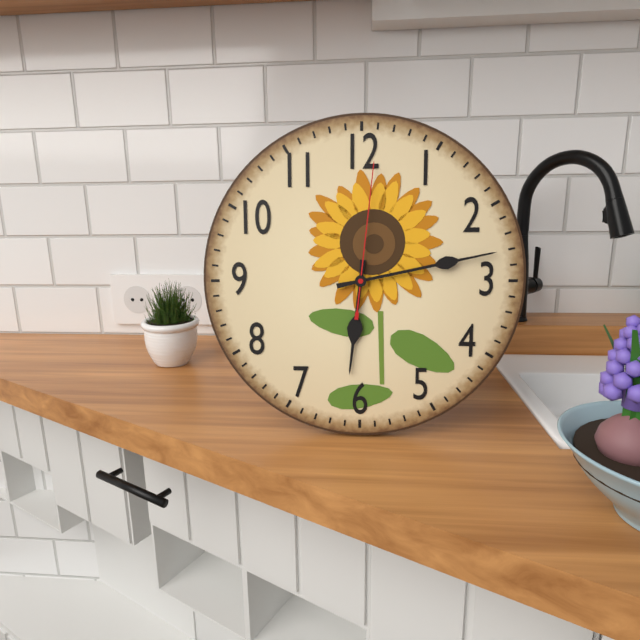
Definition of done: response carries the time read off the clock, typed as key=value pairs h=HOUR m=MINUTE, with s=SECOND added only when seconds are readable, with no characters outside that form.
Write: h=6 m=13 s=1
